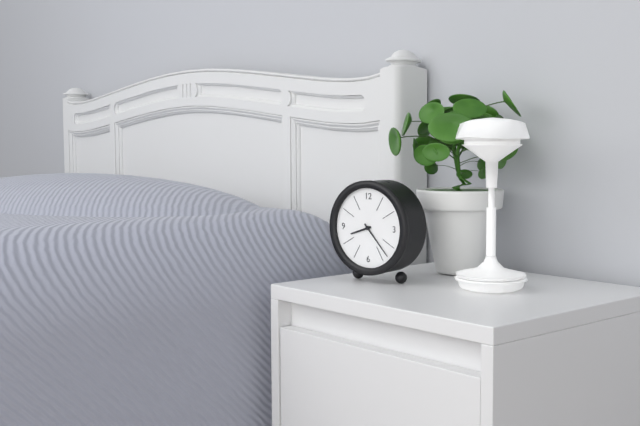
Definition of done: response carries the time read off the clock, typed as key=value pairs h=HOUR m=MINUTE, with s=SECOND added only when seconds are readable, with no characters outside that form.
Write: h=8 m=23
